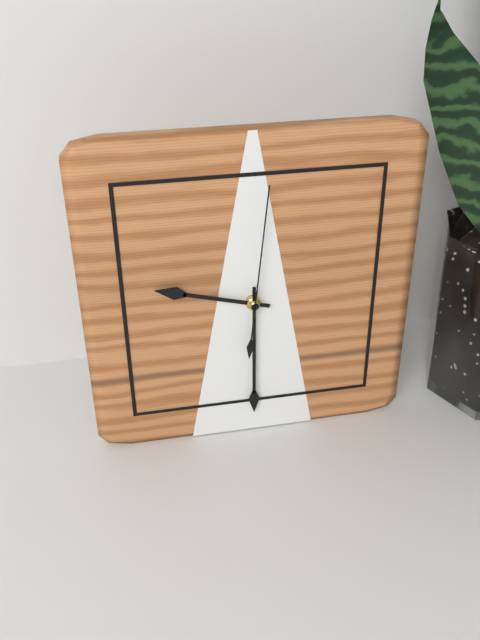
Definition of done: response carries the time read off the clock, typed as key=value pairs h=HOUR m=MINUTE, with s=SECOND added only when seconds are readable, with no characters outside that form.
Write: h=9 m=30 s=1
